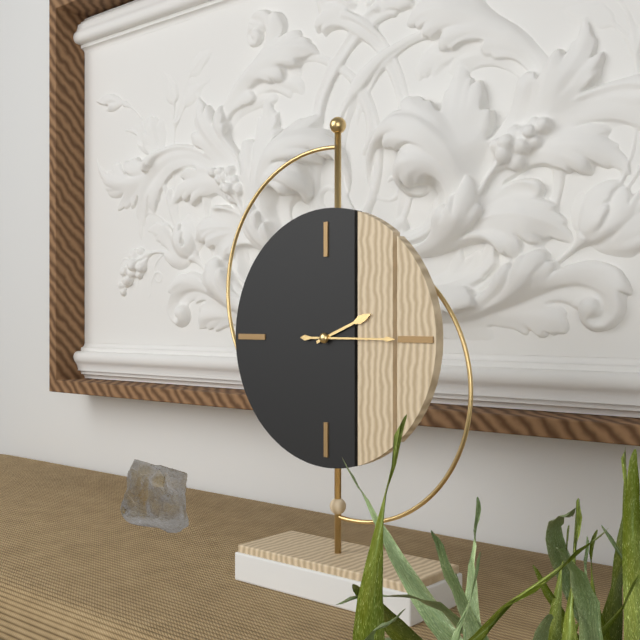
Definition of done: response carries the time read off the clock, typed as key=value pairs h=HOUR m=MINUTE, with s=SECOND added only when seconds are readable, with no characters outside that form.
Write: h=2 m=15
